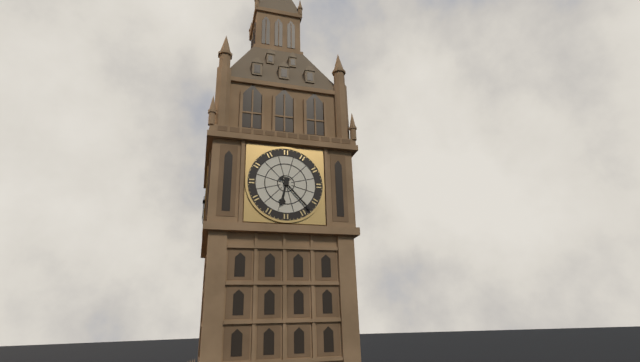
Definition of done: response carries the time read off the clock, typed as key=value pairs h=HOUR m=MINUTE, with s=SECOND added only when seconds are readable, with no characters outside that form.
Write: h=6 m=23
